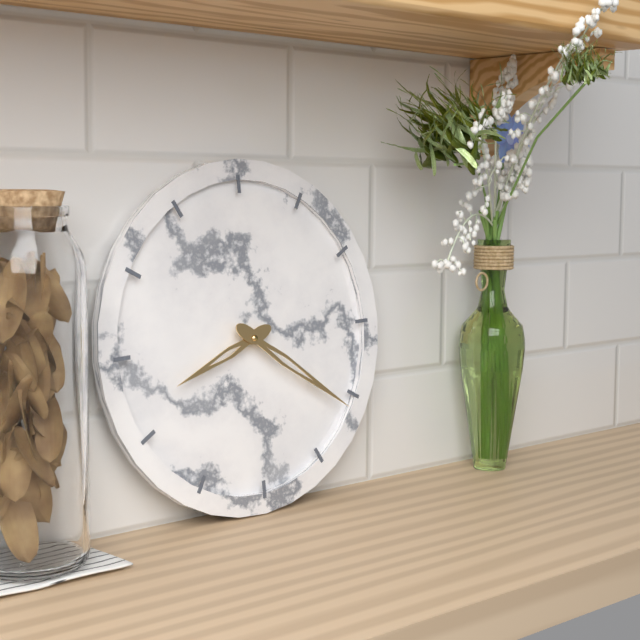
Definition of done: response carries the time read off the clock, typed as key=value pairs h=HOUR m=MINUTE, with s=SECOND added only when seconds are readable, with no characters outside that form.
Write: h=8 m=21
